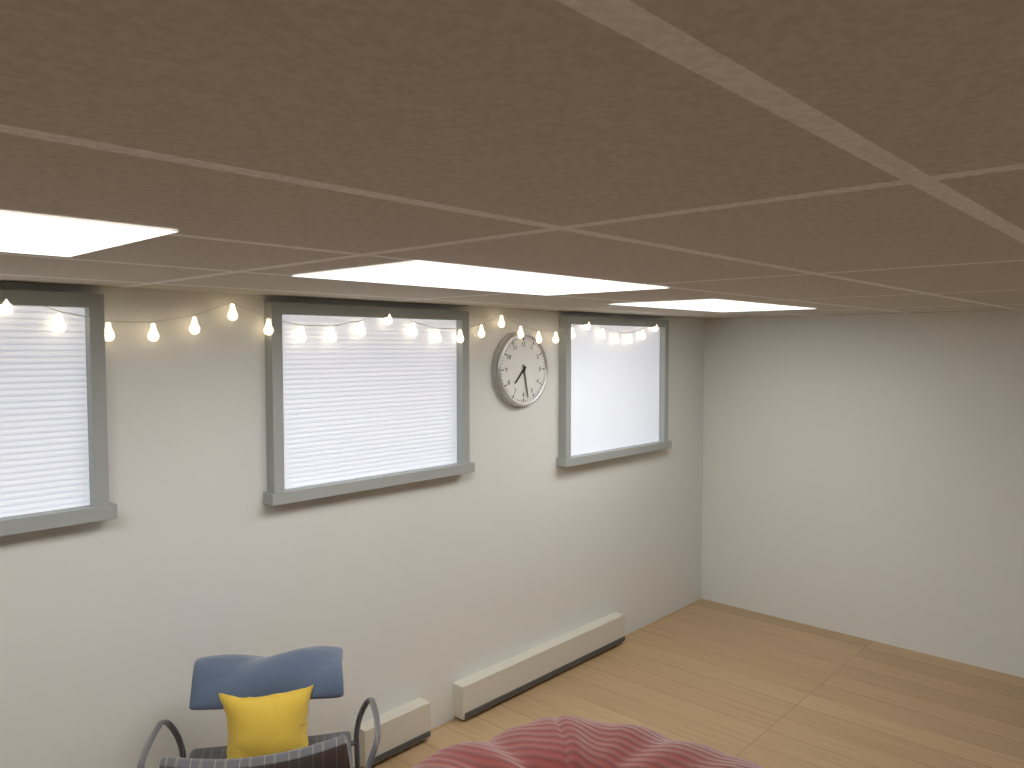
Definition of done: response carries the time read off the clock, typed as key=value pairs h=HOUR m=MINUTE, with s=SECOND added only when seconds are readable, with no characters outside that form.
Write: h=7 m=28
